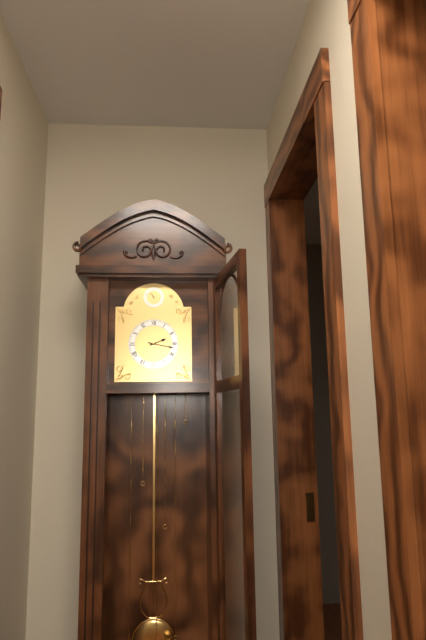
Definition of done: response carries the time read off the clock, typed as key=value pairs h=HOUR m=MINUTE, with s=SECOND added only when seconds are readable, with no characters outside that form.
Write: h=2 m=17
